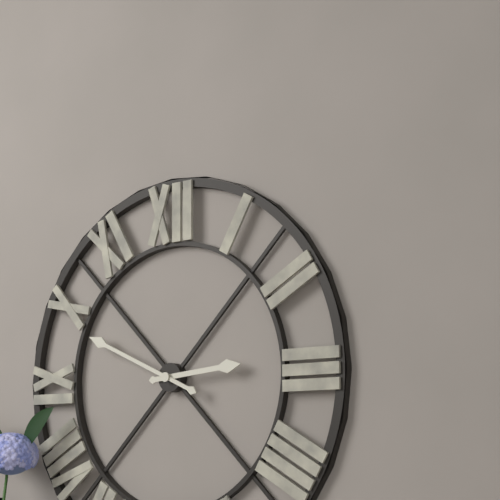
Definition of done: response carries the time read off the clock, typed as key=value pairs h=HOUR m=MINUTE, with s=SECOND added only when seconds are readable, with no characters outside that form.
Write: h=2 m=49
